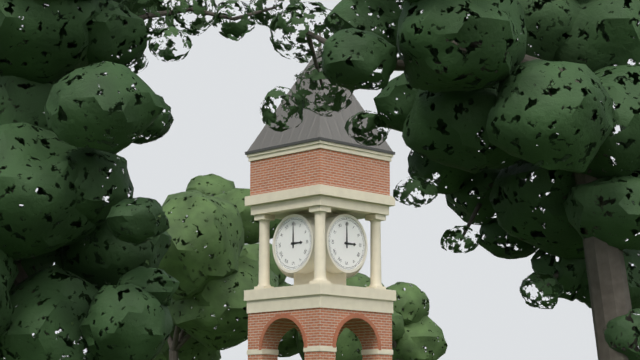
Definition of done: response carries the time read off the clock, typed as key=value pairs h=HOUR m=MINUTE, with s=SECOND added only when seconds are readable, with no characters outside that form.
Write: h=3 m=0
